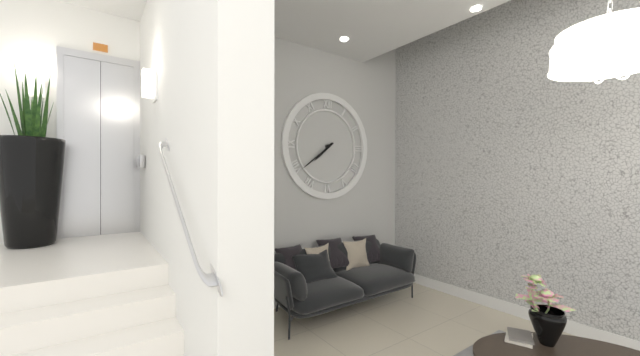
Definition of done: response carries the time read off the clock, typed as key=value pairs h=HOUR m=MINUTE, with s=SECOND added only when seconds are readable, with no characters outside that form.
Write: h=7 m=39
